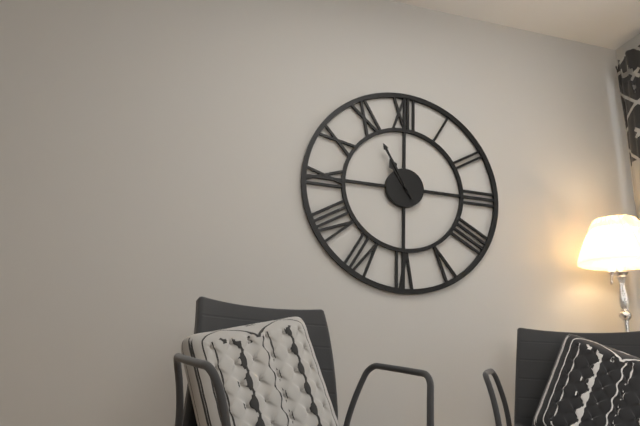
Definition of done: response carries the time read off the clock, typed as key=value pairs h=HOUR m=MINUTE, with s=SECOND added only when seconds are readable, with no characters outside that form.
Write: h=10 m=55
